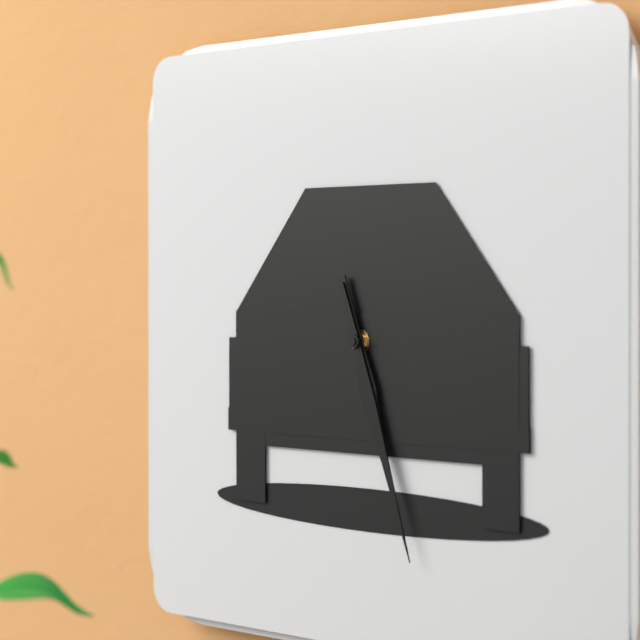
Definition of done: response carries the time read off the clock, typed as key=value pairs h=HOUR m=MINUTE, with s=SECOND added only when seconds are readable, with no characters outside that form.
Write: h=5 m=27
